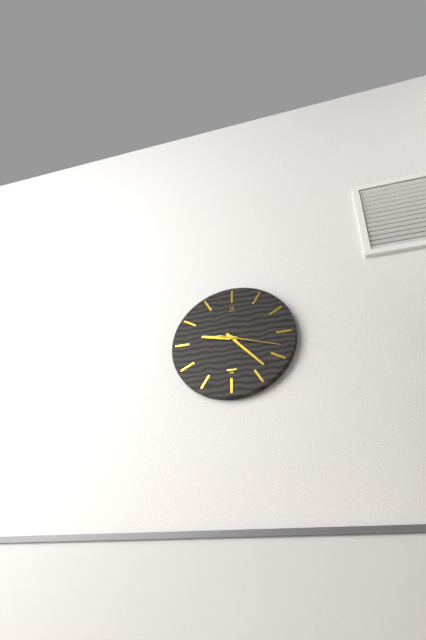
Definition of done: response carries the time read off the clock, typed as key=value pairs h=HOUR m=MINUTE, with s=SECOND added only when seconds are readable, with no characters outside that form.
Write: h=9 m=23 s=18
